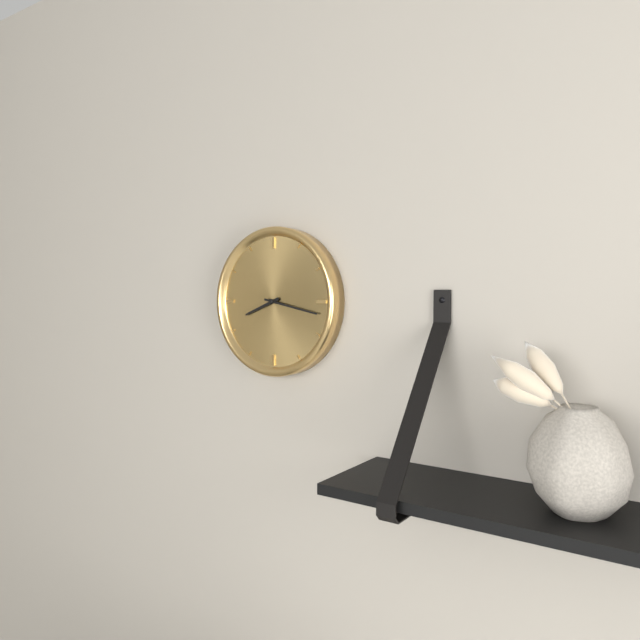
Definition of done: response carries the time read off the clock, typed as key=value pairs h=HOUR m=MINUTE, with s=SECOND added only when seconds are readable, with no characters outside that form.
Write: h=8 m=17
